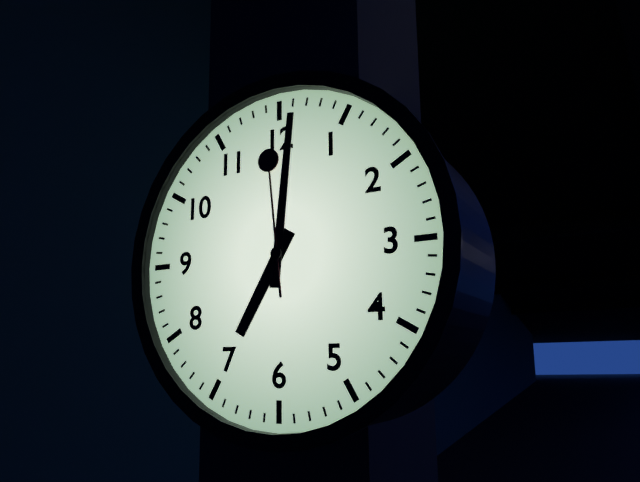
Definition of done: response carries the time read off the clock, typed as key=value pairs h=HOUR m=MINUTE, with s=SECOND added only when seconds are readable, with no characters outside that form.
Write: h=7 m=1 s=59
